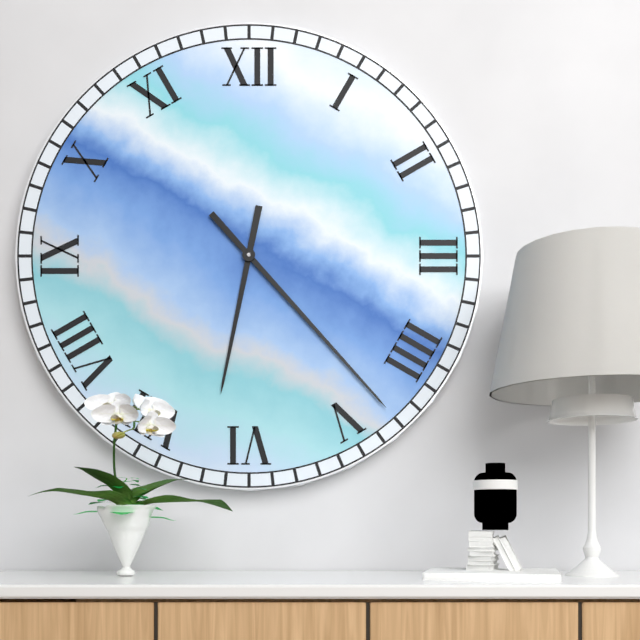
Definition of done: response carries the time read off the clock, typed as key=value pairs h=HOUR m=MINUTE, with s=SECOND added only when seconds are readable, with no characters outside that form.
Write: h=6 m=23
